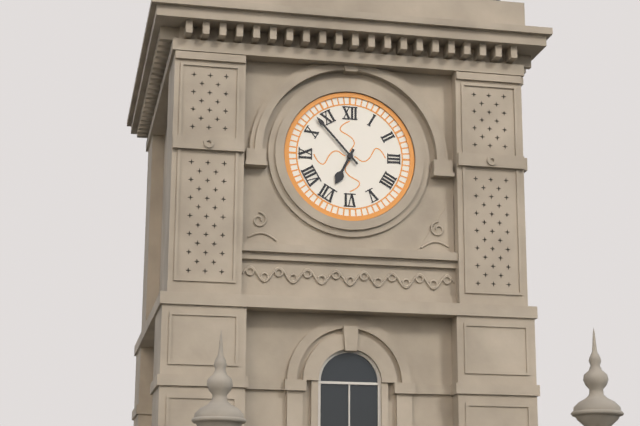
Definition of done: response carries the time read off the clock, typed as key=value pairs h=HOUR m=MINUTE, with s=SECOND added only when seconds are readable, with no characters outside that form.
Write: h=6 m=53
